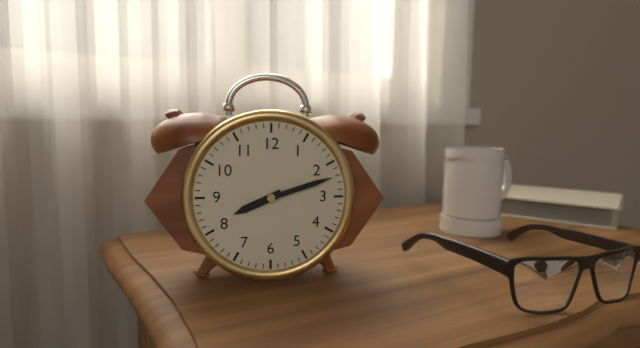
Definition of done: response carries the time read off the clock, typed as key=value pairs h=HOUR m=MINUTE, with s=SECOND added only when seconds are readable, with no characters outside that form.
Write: h=8 m=12
